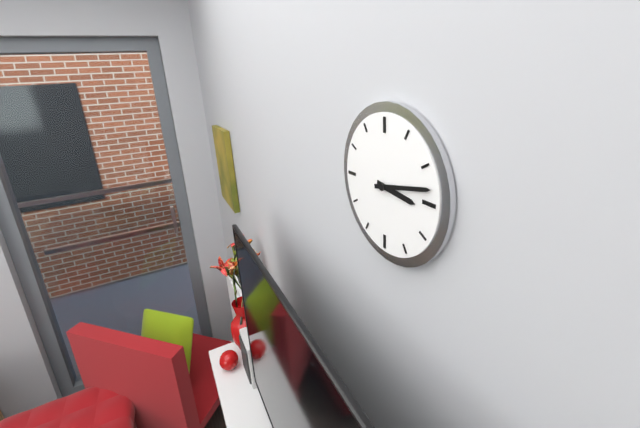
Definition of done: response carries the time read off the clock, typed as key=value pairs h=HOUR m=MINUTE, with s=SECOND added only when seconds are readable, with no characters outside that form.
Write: h=3 m=13
